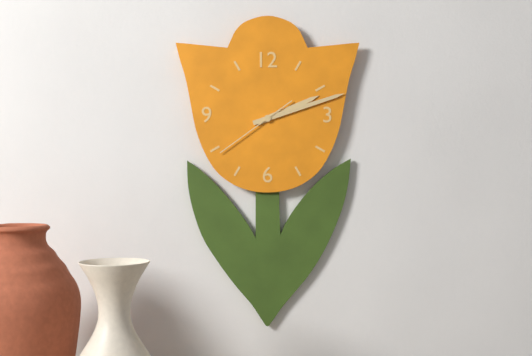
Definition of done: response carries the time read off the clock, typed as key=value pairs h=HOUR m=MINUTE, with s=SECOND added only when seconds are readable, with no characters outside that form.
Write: h=2 m=12 s=39
